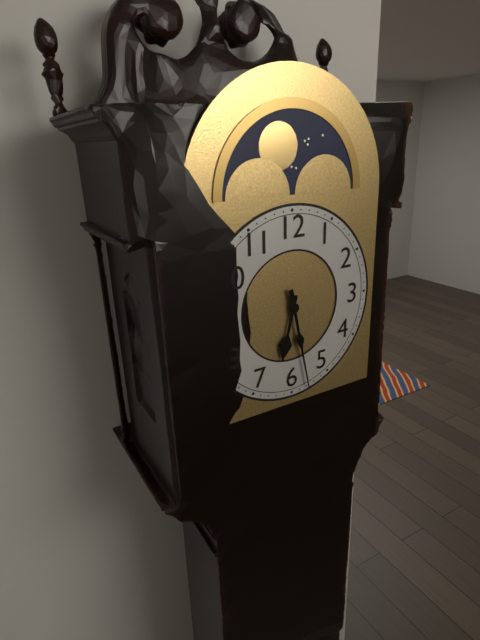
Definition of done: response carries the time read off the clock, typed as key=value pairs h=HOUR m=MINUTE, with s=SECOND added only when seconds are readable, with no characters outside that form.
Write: h=6 m=28
